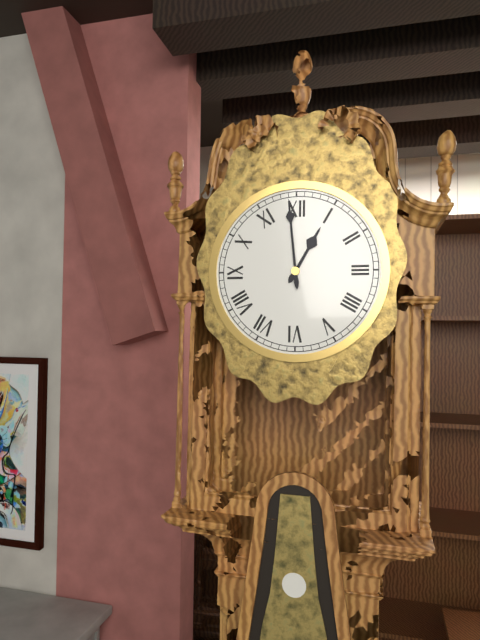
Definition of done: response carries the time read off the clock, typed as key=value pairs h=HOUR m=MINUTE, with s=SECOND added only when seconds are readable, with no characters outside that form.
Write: h=12 m=59
